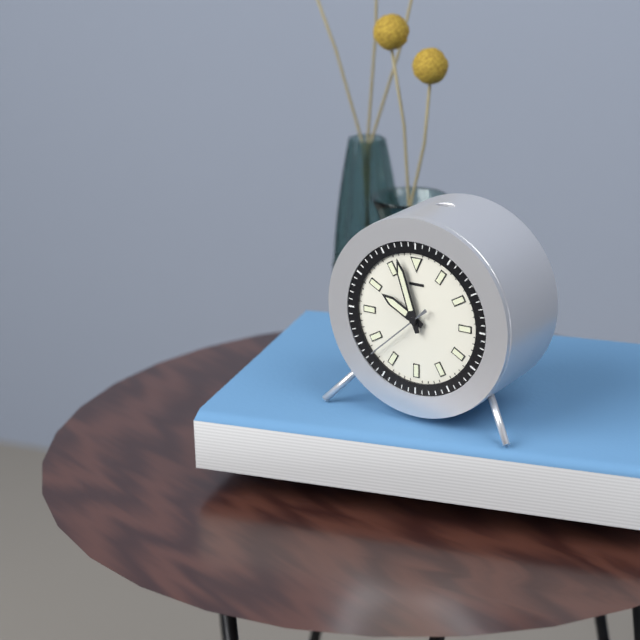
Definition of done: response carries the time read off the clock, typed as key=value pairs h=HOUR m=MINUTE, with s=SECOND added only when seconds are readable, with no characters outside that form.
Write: h=9 m=57 s=38
